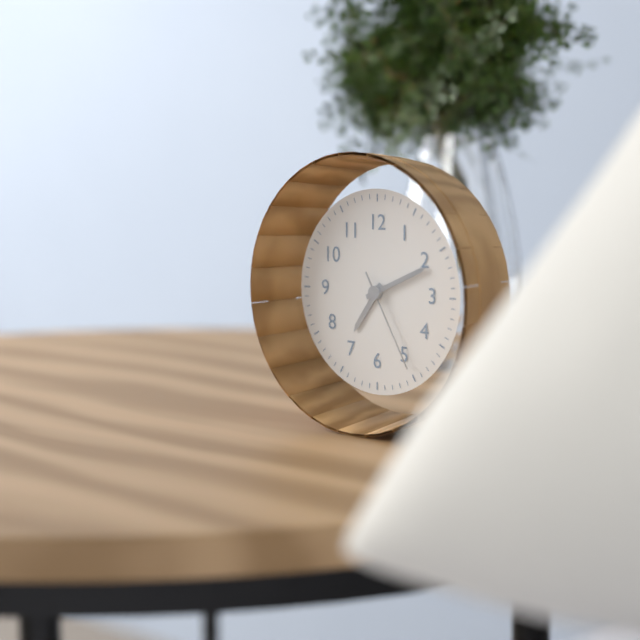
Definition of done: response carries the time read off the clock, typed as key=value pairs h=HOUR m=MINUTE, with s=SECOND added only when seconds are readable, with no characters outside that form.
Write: h=7 m=11 s=25
